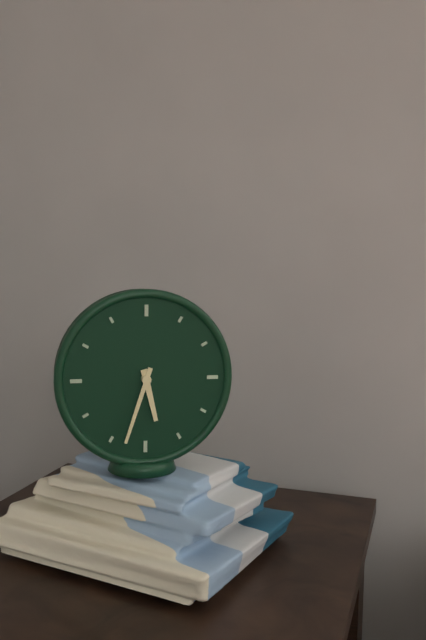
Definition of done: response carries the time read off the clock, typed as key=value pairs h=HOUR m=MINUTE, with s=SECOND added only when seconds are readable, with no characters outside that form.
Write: h=5 m=33
